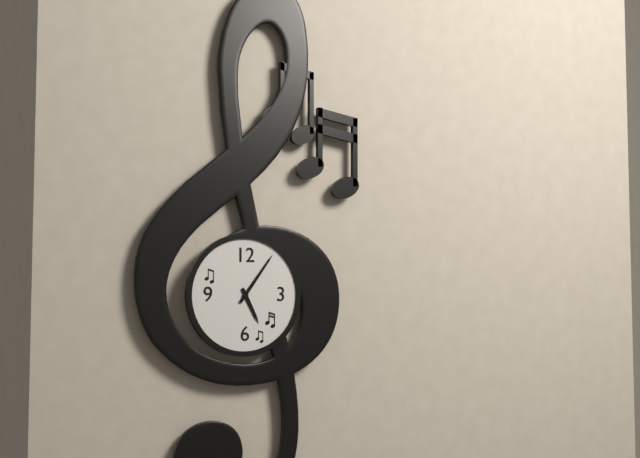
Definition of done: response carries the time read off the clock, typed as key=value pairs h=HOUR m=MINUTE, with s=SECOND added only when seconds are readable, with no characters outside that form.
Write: h=5 m=6
